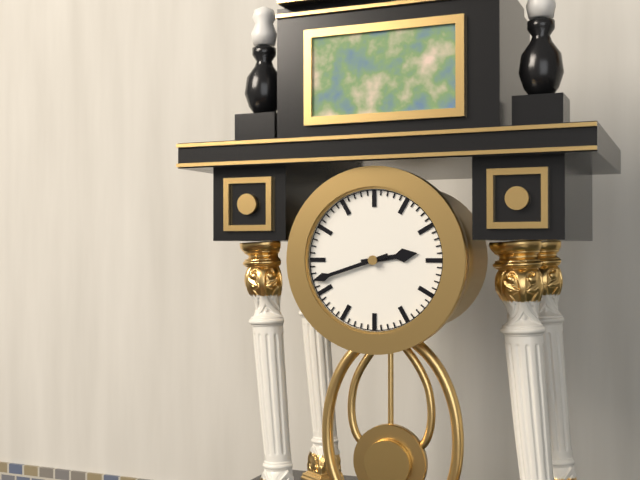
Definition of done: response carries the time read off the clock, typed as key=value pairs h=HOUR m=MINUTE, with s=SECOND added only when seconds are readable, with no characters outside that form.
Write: h=2 m=42
